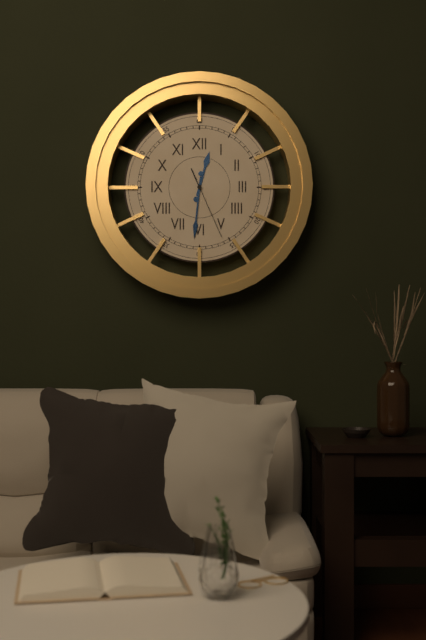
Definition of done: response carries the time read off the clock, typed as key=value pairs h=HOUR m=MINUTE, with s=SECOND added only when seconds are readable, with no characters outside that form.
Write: h=12 m=31 s=26
